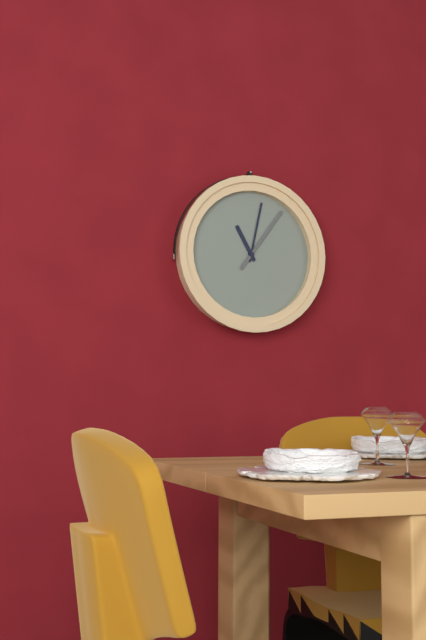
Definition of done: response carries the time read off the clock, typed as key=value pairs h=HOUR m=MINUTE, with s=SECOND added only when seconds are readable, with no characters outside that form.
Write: h=11 m=2 s=6
